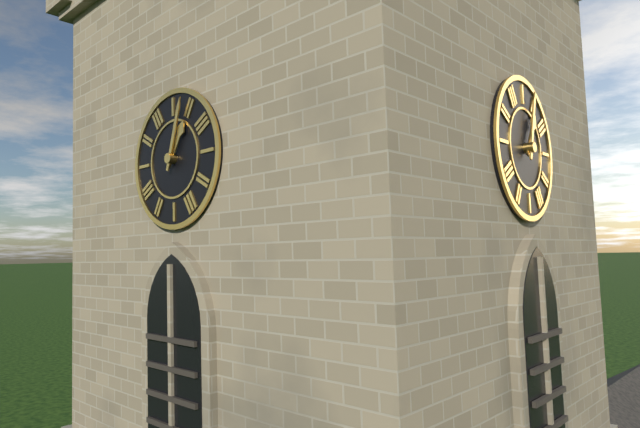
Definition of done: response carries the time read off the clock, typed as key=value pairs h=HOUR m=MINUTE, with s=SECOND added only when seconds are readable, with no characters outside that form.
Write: h=1 m=3
